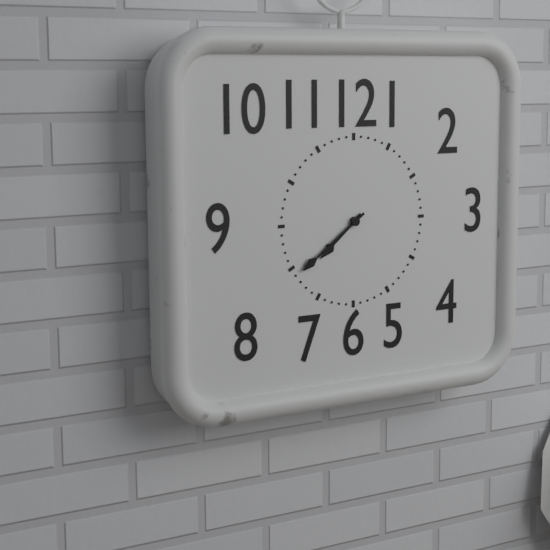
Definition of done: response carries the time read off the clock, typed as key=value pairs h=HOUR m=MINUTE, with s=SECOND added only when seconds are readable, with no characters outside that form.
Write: h=7 m=39
